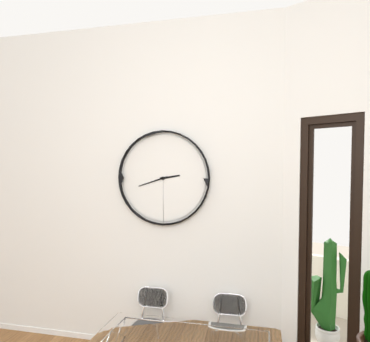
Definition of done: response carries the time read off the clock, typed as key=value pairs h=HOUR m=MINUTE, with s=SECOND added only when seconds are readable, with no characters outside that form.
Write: h=2 m=42
